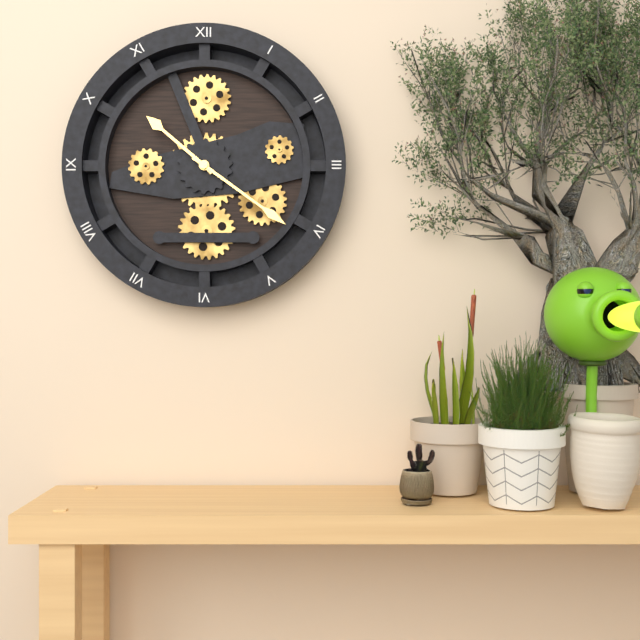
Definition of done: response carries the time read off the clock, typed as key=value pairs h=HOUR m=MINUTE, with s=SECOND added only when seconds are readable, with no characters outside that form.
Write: h=10 m=21
